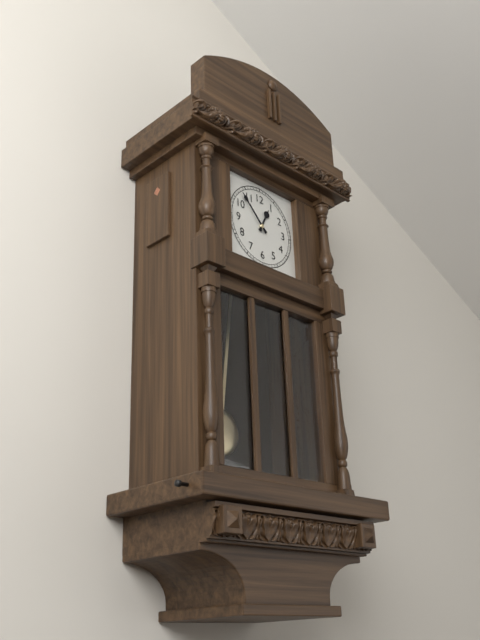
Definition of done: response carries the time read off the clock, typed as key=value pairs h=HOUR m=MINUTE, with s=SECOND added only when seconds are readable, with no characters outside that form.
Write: h=12 m=53
